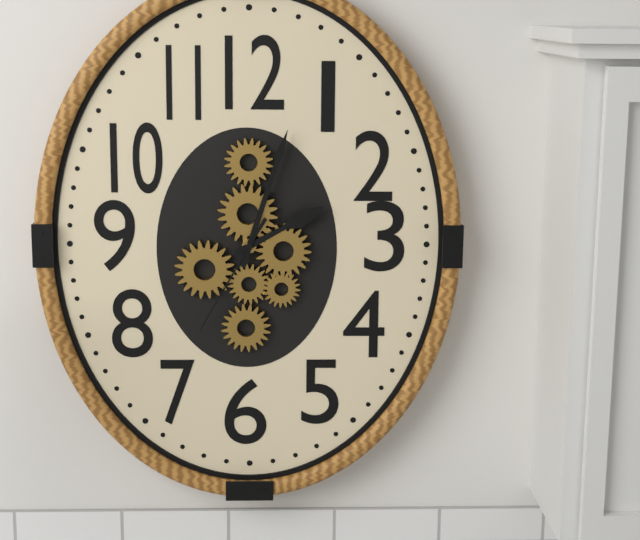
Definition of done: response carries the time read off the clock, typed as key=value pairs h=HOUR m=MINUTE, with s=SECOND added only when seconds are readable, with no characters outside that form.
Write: h=2 m=3 s=35
